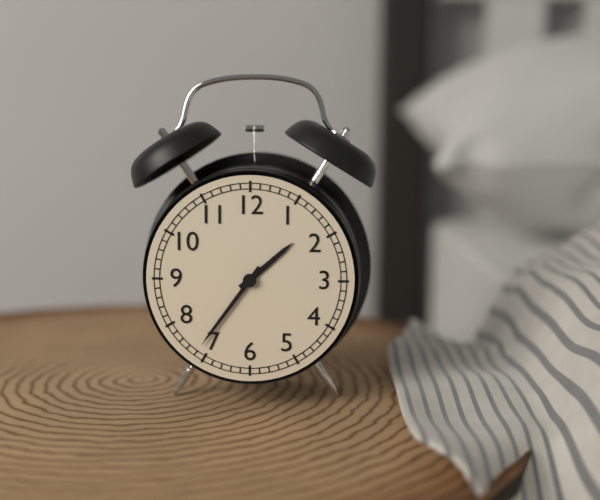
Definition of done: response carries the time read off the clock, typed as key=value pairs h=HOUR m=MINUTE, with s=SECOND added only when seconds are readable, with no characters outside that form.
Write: h=1 m=36
